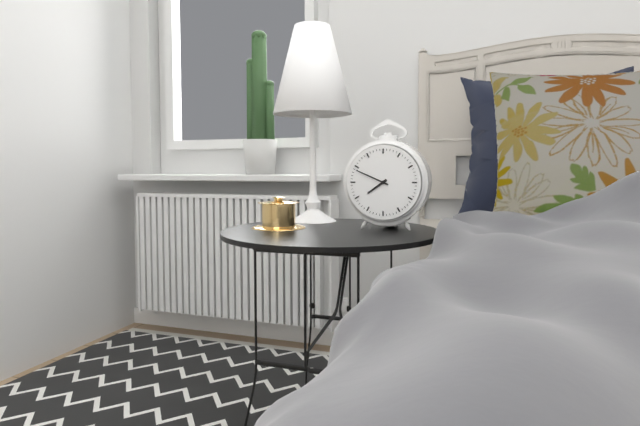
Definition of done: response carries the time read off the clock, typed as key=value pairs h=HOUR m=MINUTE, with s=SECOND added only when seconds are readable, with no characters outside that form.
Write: h=7 m=49
